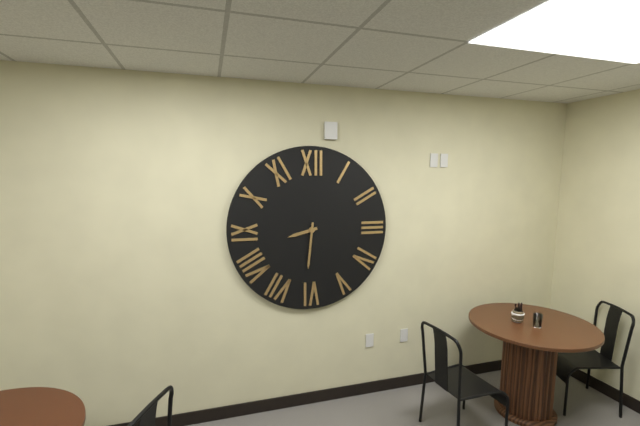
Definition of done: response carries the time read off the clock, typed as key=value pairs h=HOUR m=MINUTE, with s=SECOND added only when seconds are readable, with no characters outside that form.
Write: h=8 m=31
